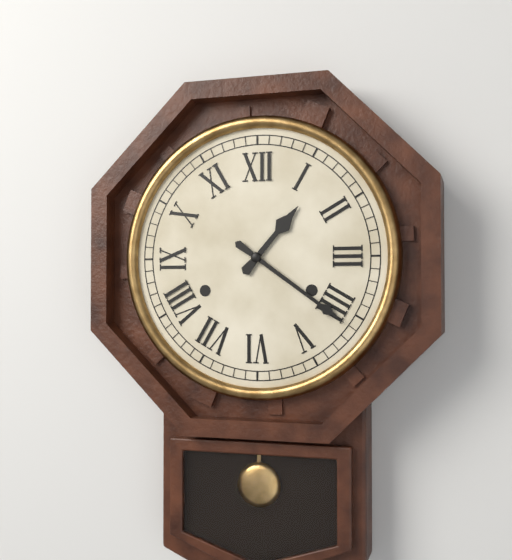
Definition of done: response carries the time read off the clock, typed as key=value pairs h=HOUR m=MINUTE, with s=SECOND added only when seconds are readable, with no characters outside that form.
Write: h=1 m=21
